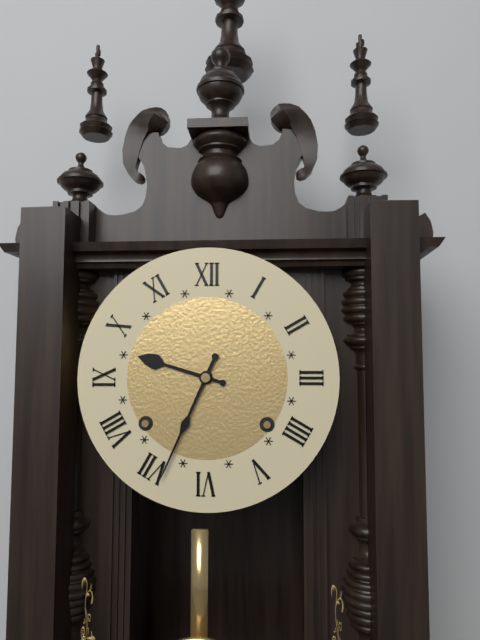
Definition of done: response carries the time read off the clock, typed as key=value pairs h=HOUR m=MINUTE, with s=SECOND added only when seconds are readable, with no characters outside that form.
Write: h=9 m=34
